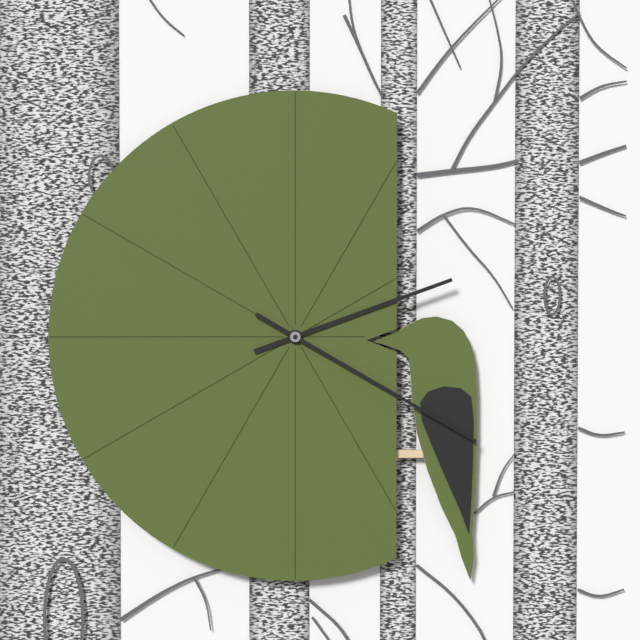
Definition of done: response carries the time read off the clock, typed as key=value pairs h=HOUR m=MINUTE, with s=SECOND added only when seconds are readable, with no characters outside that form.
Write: h=2 m=20
